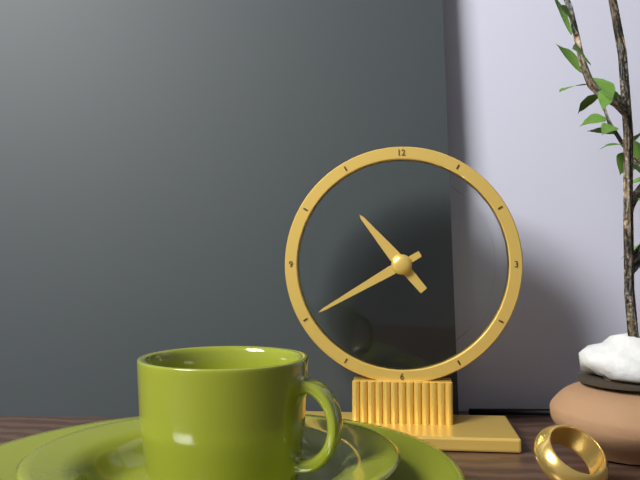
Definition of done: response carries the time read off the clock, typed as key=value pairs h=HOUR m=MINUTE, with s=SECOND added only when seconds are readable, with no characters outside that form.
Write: h=10 m=40
